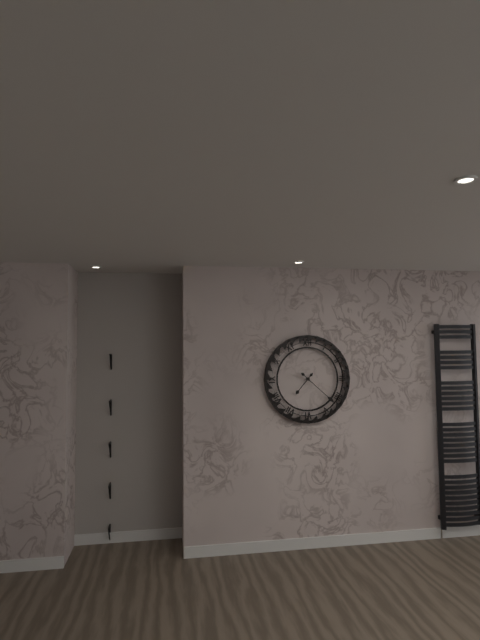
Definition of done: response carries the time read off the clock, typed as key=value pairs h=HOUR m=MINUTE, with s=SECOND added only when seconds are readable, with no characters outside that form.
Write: h=7 m=22
